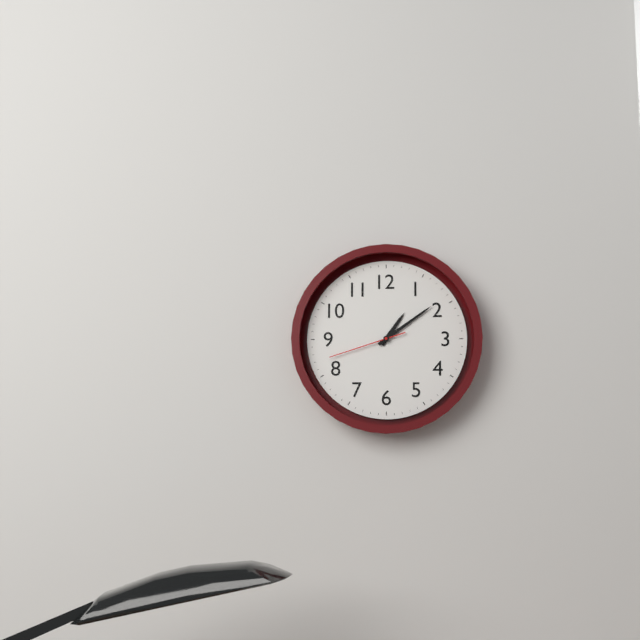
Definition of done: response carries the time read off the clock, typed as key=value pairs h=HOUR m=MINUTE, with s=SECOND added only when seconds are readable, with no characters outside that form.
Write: h=1 m=9 s=42
